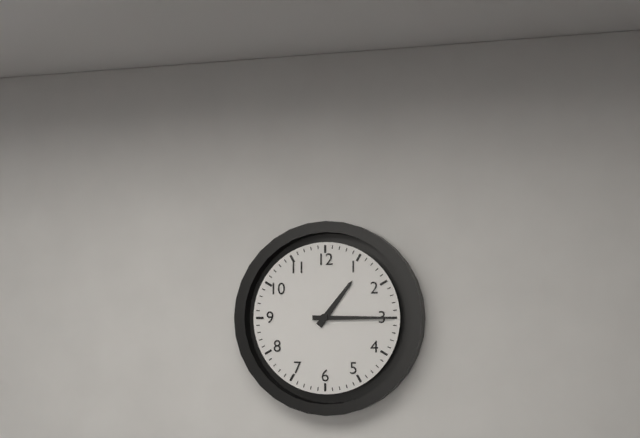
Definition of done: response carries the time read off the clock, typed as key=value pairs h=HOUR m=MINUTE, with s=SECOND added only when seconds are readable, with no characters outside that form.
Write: h=1 m=15
